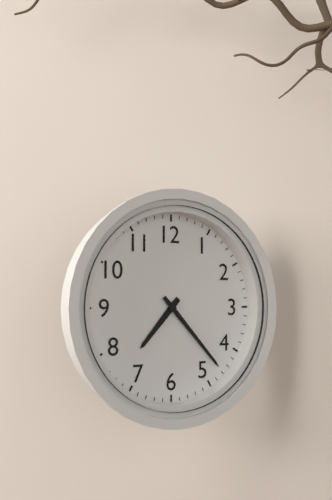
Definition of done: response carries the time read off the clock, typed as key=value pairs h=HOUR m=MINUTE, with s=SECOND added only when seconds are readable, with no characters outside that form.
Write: h=7 m=23
